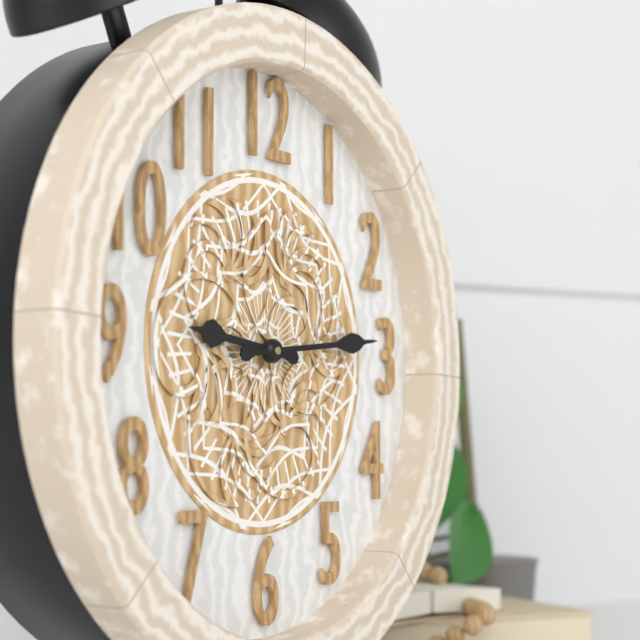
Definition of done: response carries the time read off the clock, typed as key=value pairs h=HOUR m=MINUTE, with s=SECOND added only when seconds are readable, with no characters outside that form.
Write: h=9 m=14
